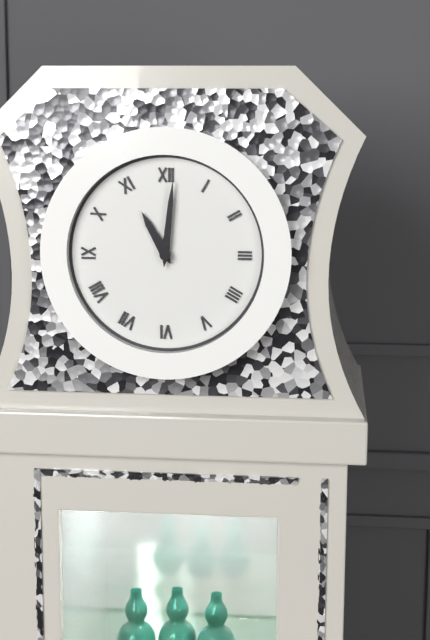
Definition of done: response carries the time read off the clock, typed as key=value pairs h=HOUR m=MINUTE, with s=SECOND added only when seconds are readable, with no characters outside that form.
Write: h=11 m=1
